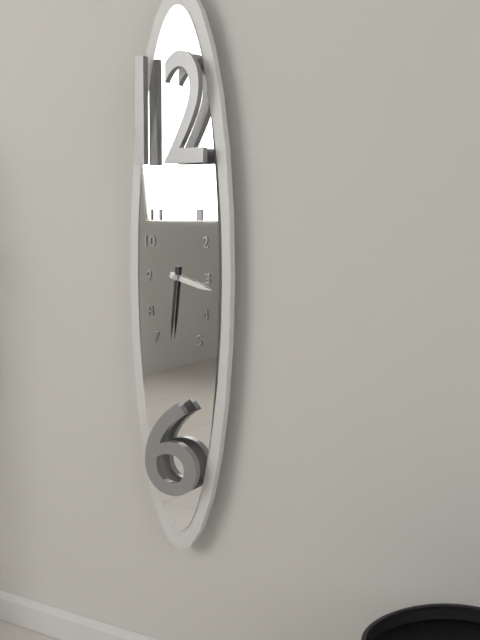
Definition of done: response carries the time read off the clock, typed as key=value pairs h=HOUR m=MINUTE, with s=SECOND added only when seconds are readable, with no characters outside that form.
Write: h=3 m=31
